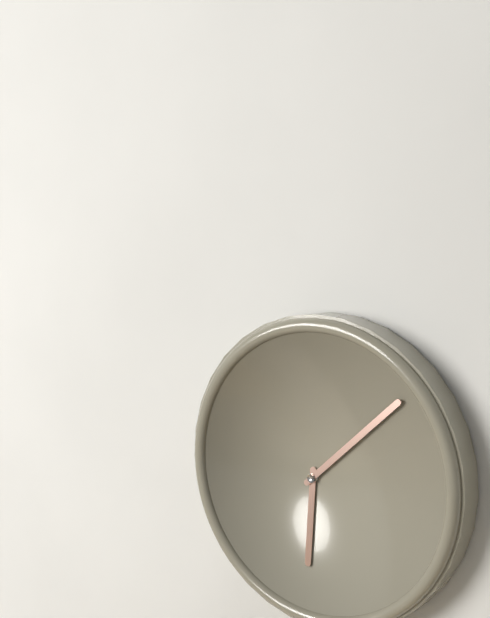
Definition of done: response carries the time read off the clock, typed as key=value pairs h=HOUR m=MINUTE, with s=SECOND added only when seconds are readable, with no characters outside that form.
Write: h=6 m=8
